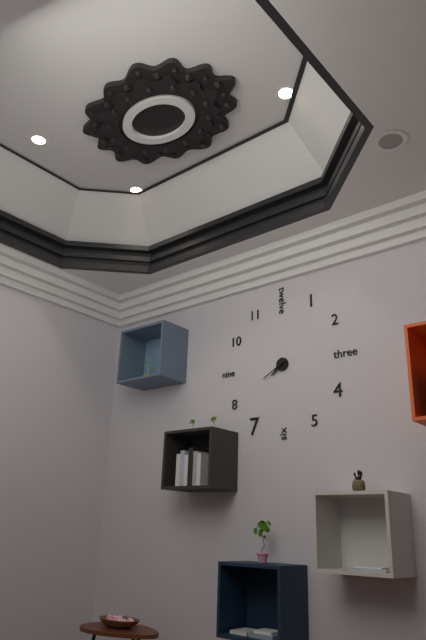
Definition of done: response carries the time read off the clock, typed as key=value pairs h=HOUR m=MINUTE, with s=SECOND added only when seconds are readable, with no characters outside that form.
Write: h=7 m=40
